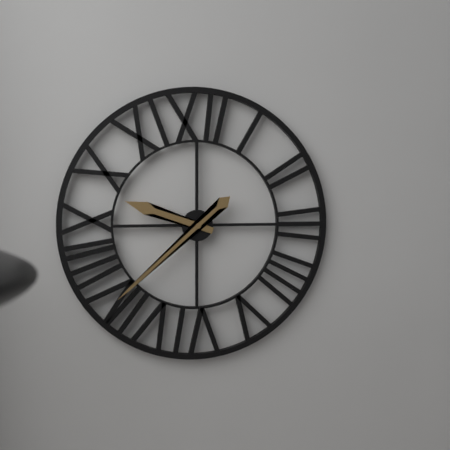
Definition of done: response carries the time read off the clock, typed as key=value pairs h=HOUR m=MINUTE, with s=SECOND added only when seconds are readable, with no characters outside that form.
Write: h=9 m=38
